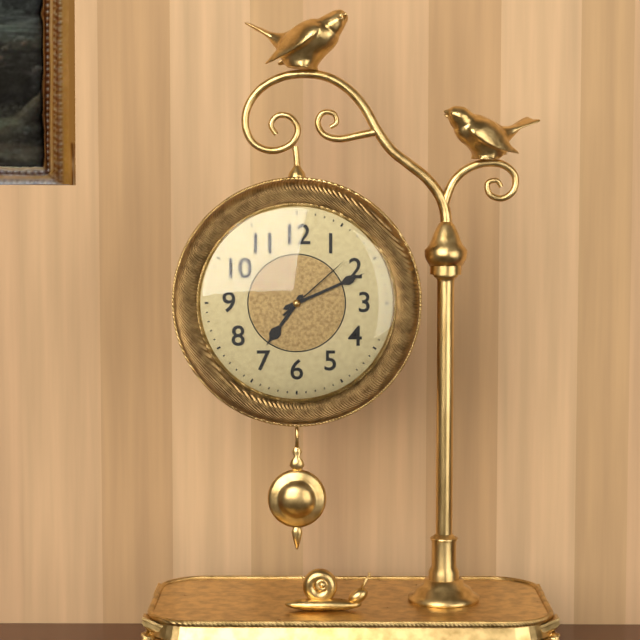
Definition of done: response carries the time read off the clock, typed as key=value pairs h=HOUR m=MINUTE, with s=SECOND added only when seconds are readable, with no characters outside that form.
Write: h=7 m=11 s=8
